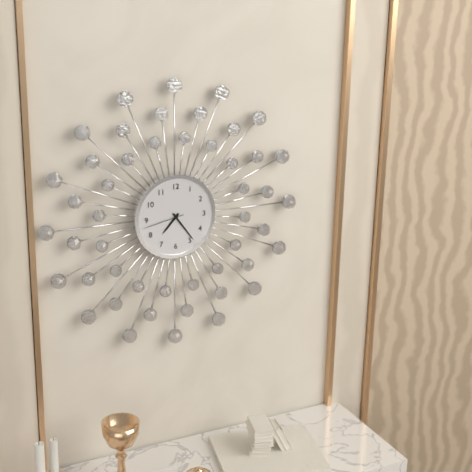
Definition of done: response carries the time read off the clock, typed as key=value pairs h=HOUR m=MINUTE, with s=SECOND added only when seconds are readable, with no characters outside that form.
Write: h=7 m=24
